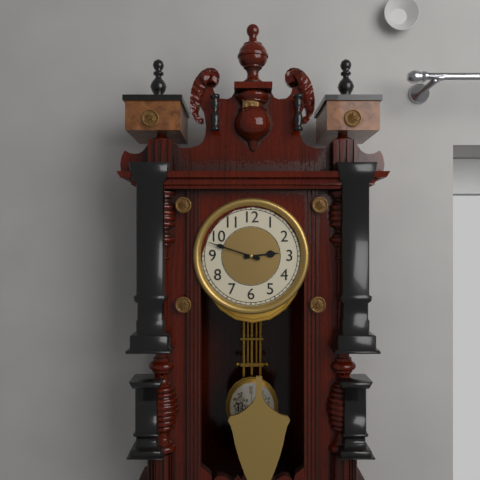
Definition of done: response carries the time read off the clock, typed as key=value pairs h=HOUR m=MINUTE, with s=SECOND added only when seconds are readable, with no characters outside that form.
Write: h=2 m=48
